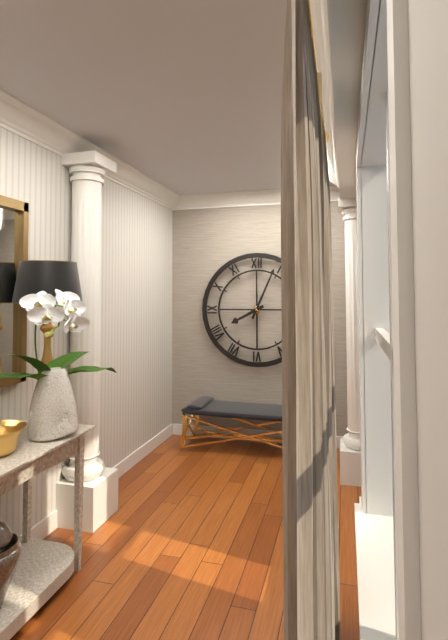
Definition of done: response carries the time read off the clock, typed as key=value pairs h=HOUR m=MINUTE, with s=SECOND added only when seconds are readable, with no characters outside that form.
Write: h=8 m=4
